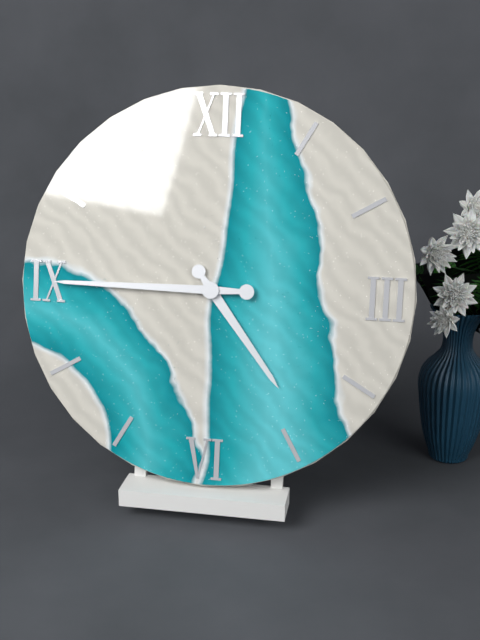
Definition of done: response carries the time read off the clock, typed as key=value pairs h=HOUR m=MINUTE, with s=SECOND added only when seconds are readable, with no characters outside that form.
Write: h=4 m=45
